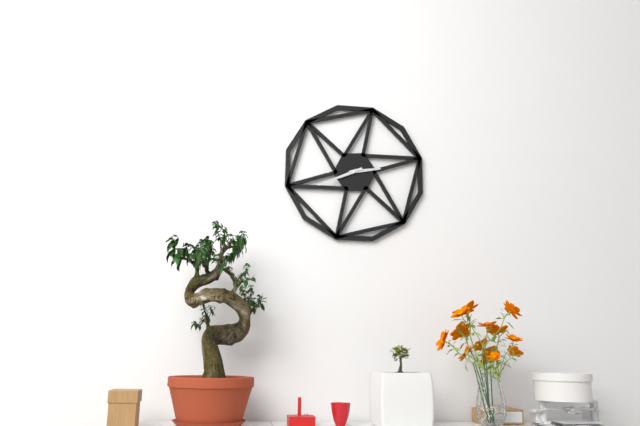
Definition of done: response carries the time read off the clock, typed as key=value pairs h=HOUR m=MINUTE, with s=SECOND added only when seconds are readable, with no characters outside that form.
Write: h=2 m=41
